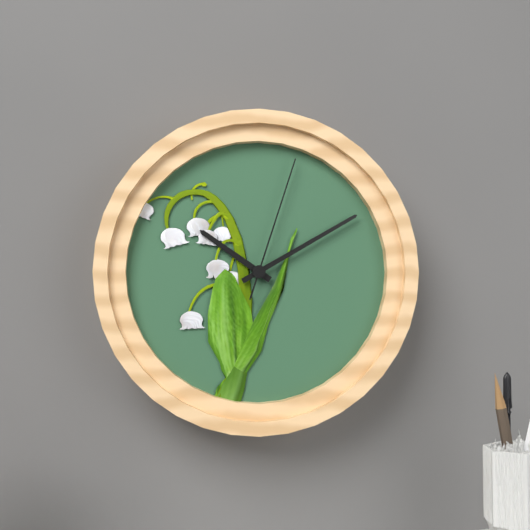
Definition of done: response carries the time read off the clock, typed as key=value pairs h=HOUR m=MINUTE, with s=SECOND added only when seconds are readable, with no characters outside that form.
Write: h=10 m=10 s=3
